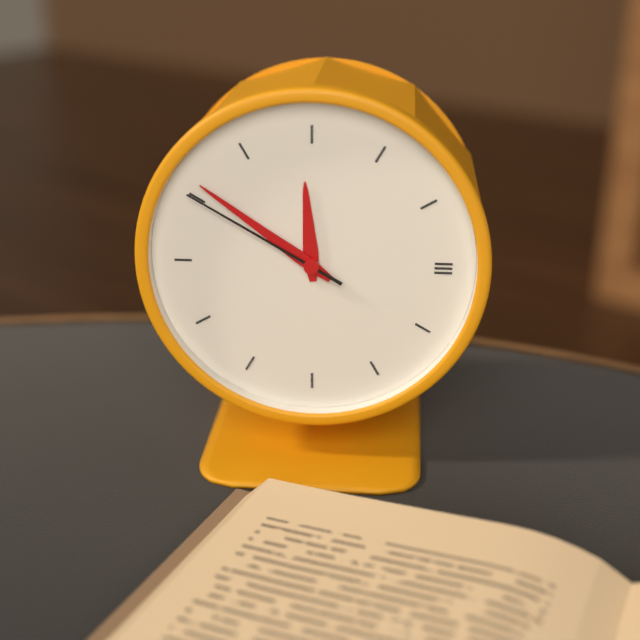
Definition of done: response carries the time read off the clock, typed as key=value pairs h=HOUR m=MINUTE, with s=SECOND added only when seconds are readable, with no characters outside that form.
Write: h=11 m=51 s=50
